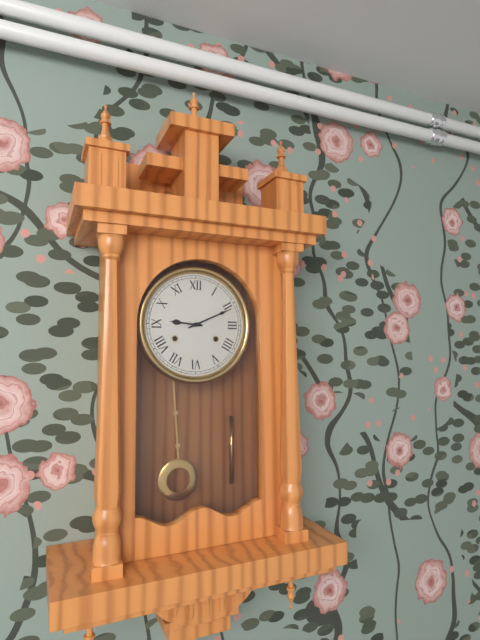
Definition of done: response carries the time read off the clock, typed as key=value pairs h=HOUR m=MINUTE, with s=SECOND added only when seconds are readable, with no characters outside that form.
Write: h=9 m=11
